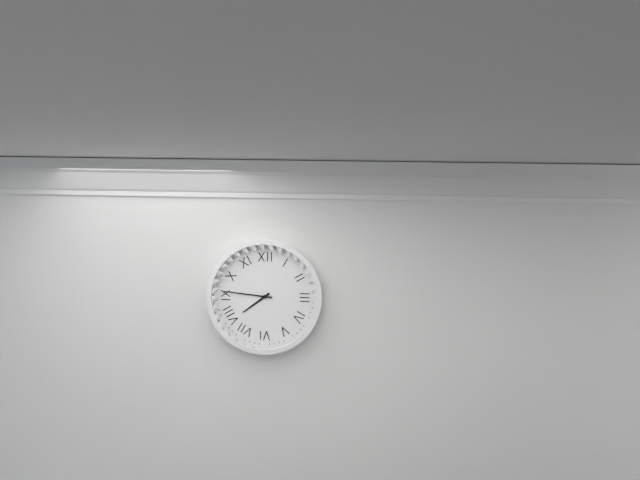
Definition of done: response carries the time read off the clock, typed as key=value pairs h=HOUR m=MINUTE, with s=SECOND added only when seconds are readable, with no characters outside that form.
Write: h=7 m=46
